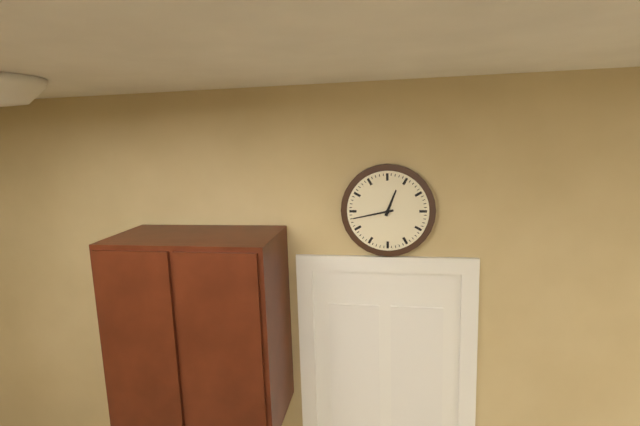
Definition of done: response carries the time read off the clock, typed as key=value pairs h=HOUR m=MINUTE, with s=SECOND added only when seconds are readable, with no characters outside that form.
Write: h=12 m=43
